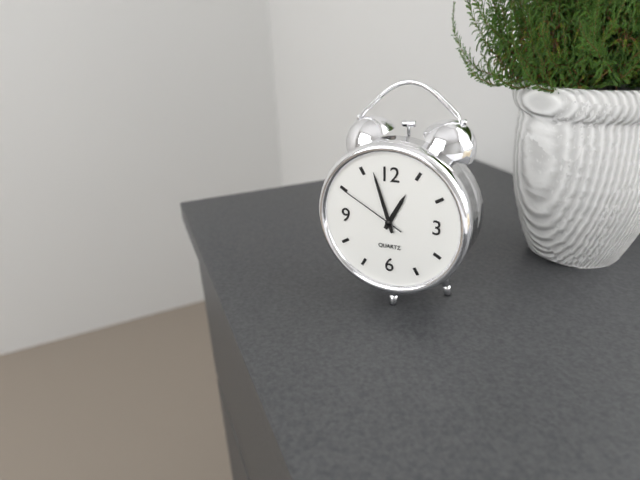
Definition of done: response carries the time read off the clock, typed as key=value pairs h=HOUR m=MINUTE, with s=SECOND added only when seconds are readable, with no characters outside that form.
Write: h=12 m=57 s=50
